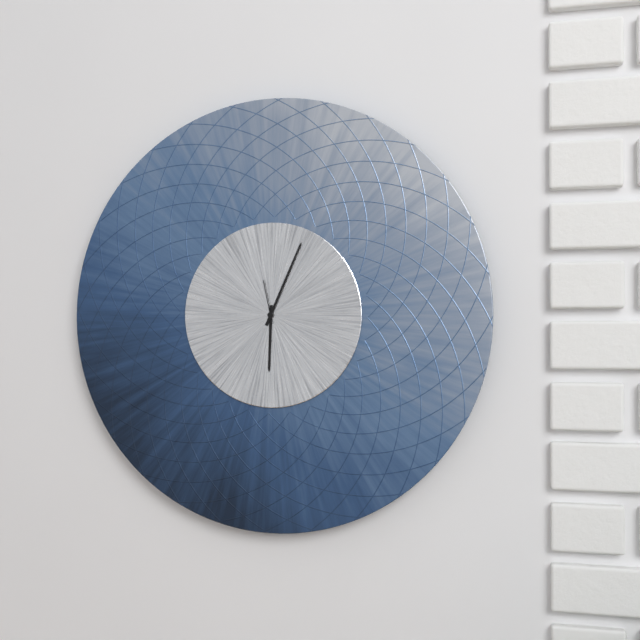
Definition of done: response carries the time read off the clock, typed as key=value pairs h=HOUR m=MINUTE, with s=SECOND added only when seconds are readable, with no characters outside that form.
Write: h=6 m=4
